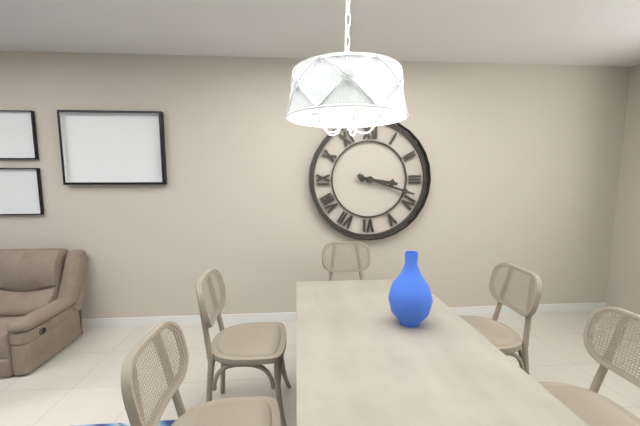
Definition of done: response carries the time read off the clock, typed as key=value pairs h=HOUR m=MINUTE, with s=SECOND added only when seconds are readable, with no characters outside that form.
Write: h=3 m=18
